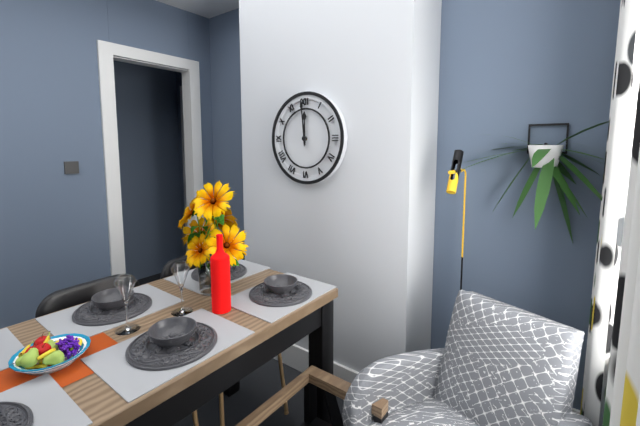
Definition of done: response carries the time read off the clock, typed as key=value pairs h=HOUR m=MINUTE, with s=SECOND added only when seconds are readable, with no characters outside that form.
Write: h=11 m=59
